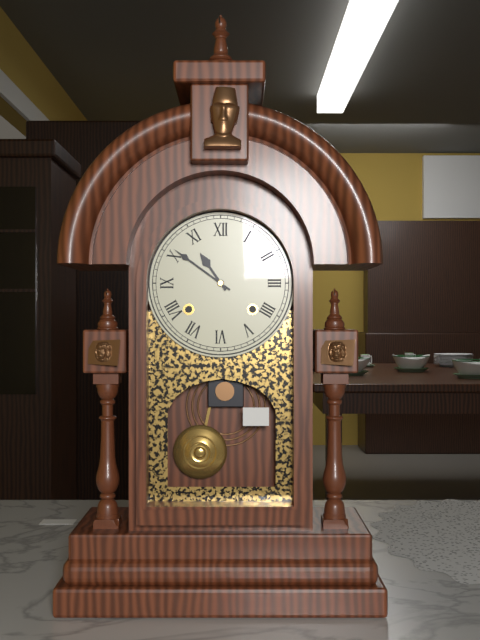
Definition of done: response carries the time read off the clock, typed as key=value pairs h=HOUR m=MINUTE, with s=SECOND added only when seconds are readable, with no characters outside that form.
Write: h=10 m=51
